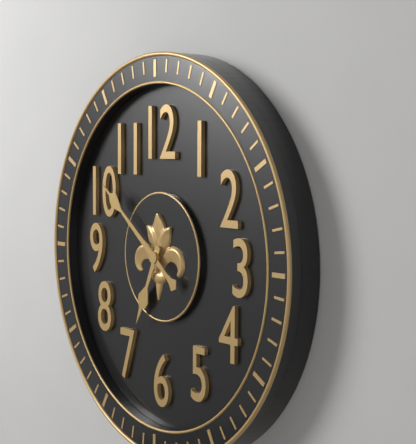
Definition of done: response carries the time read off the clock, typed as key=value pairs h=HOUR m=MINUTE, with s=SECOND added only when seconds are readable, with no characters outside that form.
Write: h=6 m=51
